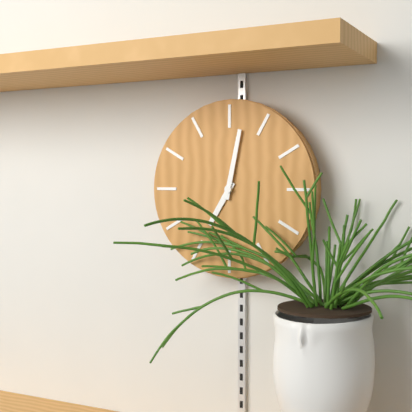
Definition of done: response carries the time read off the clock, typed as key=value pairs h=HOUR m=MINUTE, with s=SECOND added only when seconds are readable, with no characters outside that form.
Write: h=7 m=2
